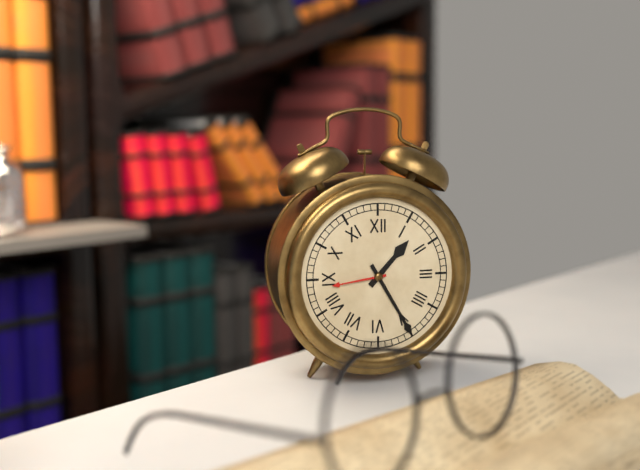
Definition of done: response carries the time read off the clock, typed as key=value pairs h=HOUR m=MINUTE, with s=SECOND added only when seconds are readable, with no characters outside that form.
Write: h=1 m=25
